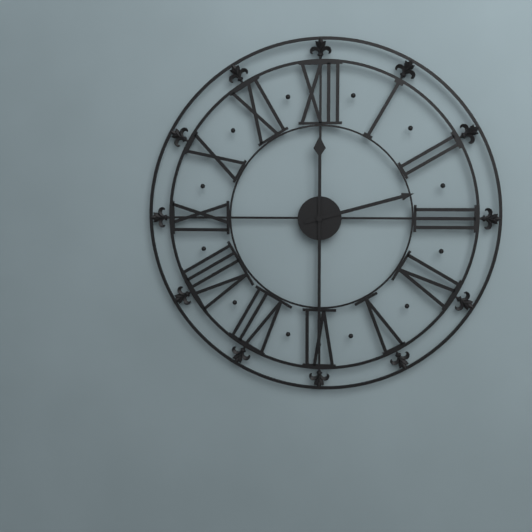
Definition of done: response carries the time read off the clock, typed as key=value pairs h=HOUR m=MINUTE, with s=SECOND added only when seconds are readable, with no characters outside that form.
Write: h=2 m=30
